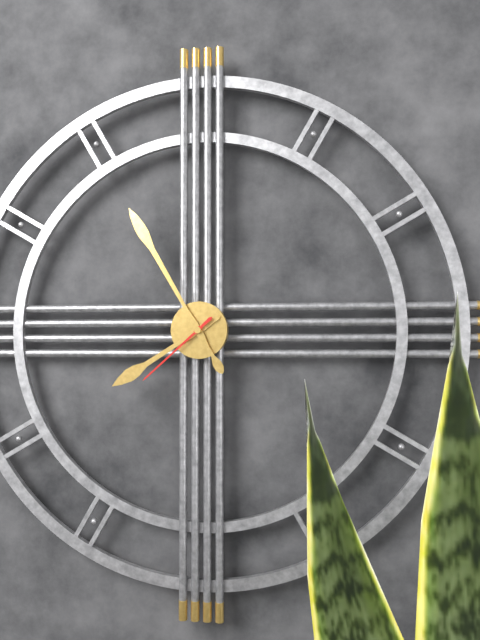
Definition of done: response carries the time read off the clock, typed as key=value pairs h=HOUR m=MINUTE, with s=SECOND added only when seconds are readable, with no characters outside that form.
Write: h=7 m=55 s=38
